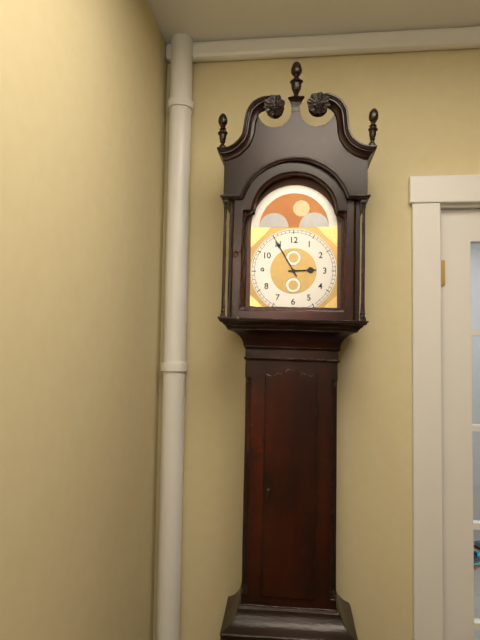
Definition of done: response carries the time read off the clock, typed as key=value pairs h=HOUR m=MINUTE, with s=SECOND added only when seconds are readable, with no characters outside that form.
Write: h=2 m=55
